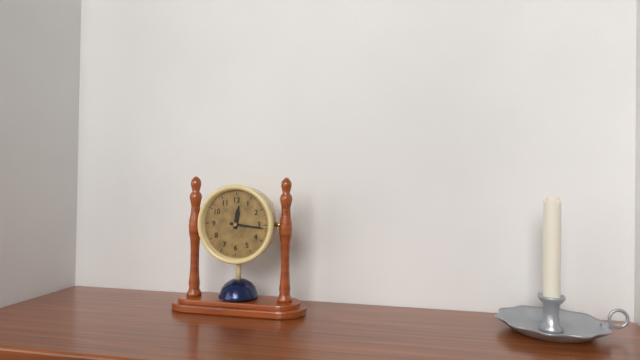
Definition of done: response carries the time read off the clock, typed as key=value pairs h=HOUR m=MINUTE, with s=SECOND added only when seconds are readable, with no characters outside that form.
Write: h=12 m=16
